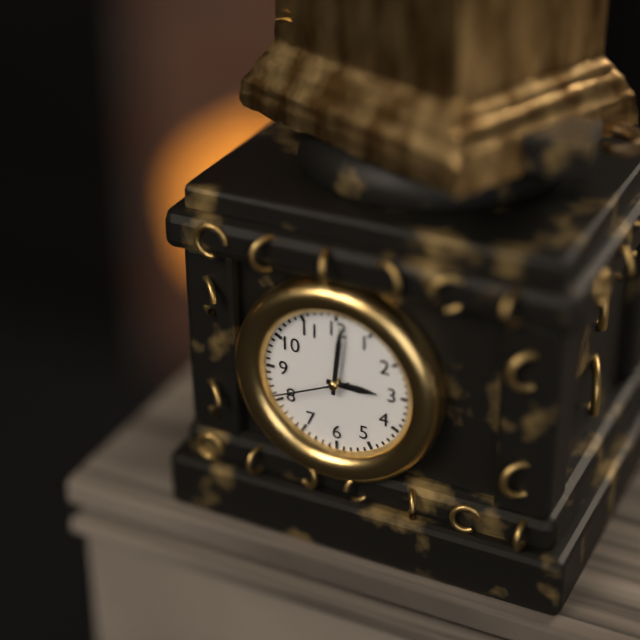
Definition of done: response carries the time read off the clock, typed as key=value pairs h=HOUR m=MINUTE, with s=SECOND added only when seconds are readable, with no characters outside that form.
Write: h=3 m=1 s=41
